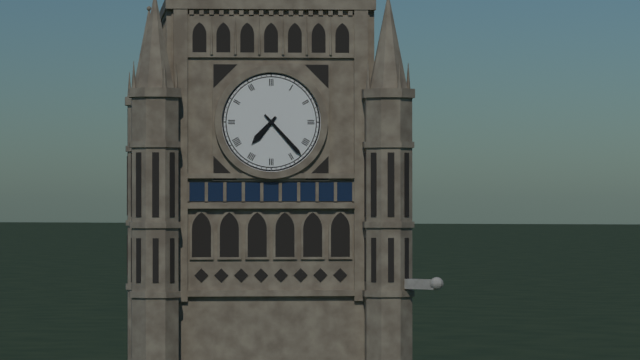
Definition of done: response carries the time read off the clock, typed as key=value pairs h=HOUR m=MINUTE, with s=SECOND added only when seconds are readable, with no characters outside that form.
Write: h=7 m=23
